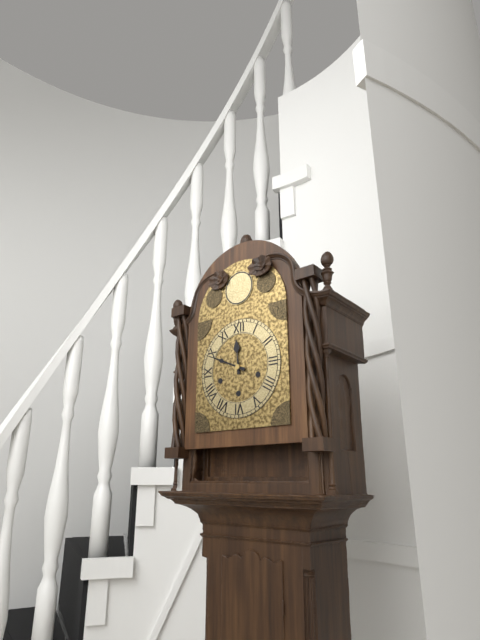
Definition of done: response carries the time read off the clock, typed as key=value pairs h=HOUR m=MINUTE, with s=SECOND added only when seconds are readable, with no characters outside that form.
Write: h=11 m=49
